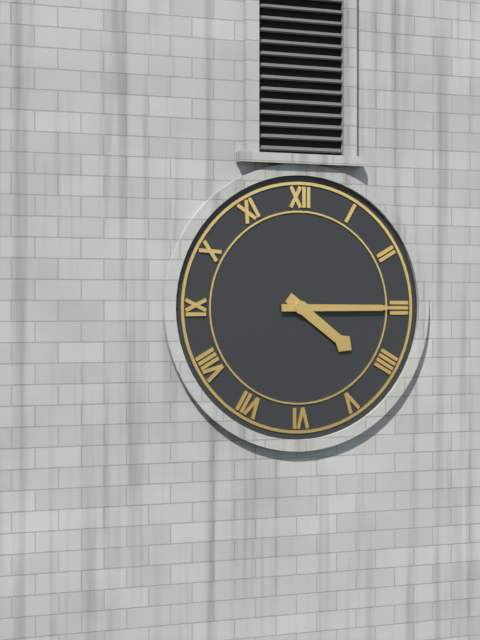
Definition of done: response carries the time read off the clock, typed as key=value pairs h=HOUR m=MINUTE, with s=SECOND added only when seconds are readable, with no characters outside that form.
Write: h=4 m=15
